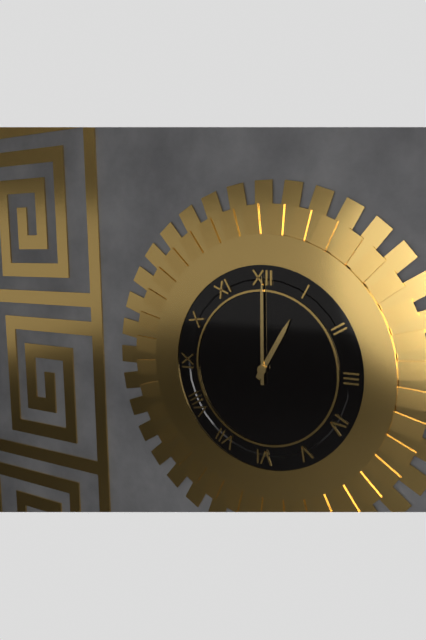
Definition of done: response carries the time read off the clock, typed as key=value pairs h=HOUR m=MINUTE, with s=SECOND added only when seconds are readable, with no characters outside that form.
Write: h=1 m=0
